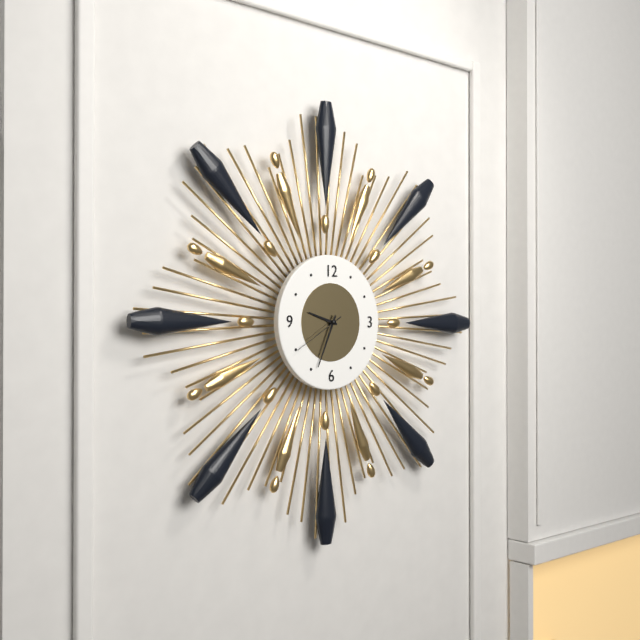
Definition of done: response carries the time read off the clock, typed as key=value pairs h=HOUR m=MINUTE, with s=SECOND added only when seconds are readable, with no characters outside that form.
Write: h=9 m=34 s=40
